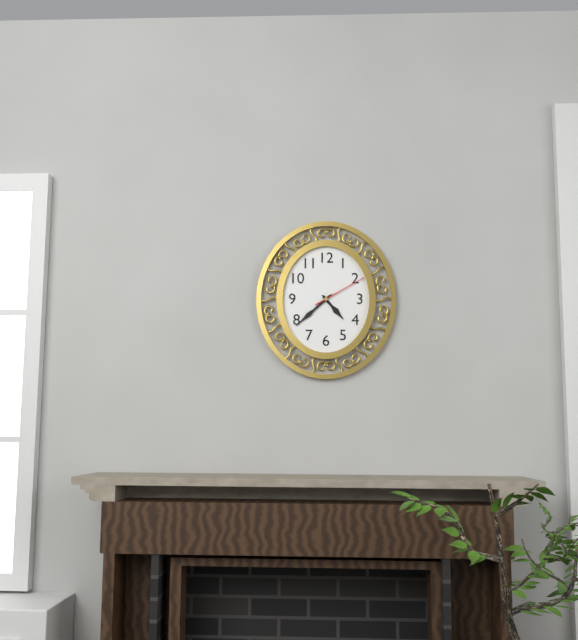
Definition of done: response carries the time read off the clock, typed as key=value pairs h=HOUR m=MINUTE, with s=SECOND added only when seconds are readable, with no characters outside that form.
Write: h=4 m=38 s=10
